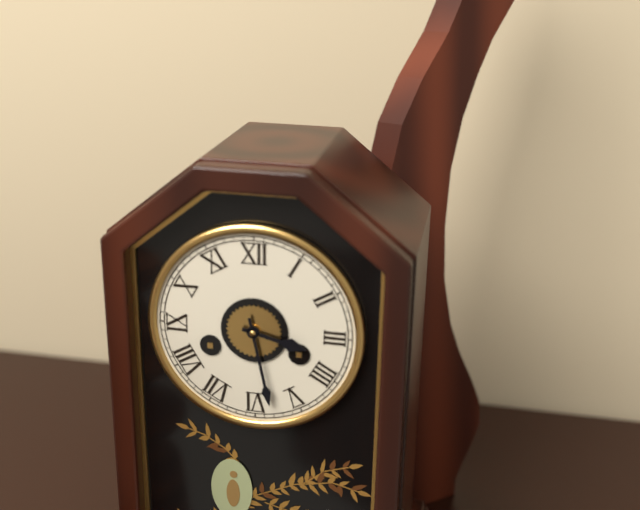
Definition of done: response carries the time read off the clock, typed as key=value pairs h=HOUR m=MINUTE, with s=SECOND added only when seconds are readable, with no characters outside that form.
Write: h=3 m=28
